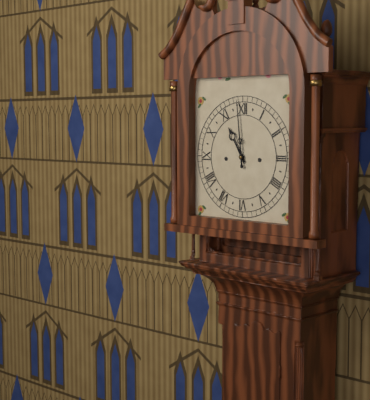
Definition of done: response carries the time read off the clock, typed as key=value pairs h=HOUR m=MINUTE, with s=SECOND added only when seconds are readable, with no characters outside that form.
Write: h=10 m=59
